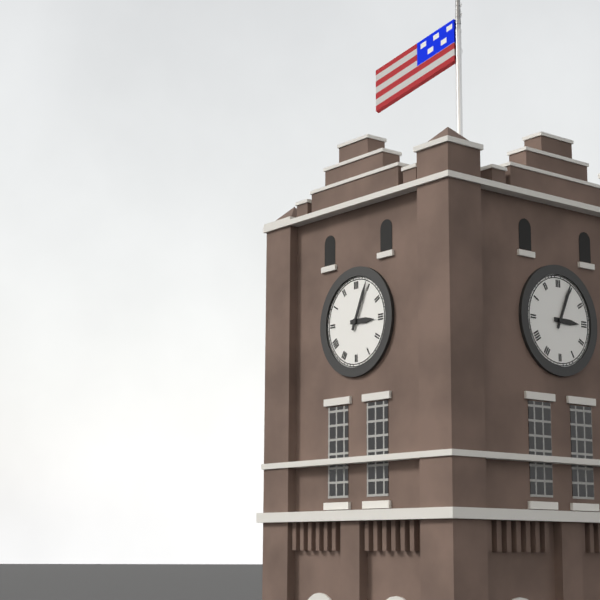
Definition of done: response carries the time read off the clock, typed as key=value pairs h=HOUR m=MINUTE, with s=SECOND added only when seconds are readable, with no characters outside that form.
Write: h=3 m=4
